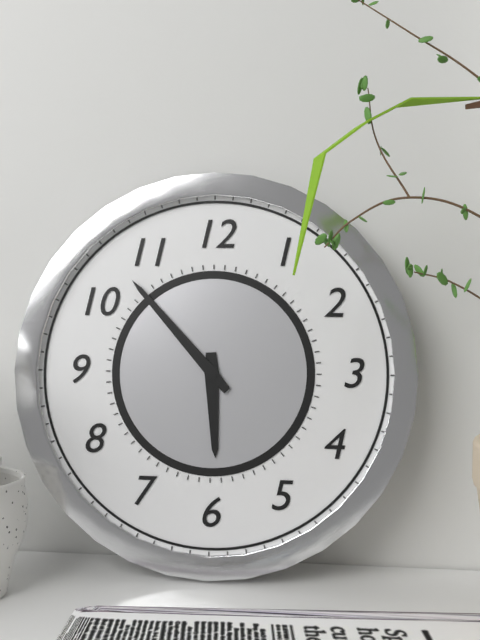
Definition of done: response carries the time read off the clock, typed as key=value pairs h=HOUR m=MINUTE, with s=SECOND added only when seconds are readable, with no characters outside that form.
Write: h=5 m=53
